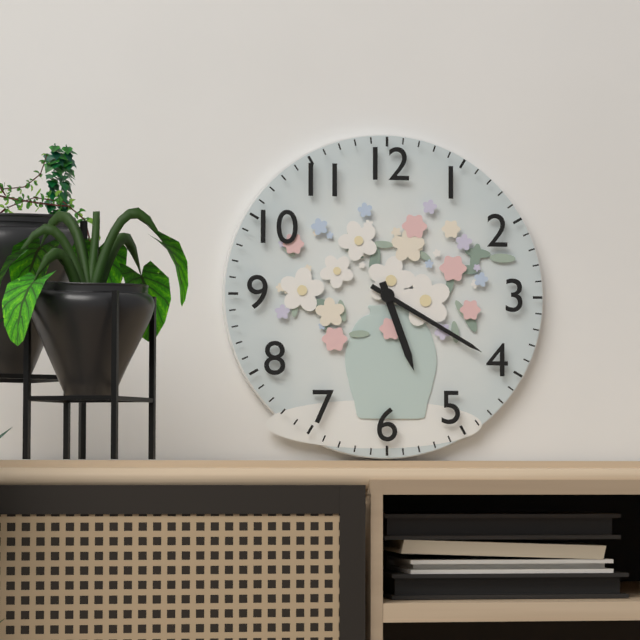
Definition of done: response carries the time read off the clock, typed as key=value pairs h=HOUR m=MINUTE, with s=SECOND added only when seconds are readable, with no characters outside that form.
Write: h=5 m=20
